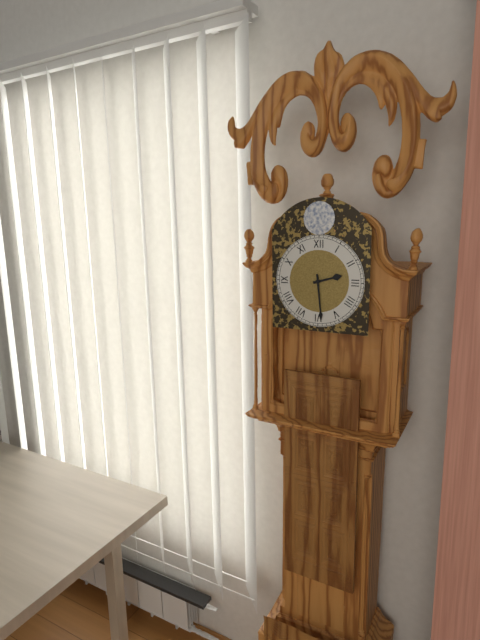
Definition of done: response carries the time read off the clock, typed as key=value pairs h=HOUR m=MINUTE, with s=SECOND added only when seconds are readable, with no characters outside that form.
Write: h=2 m=29
